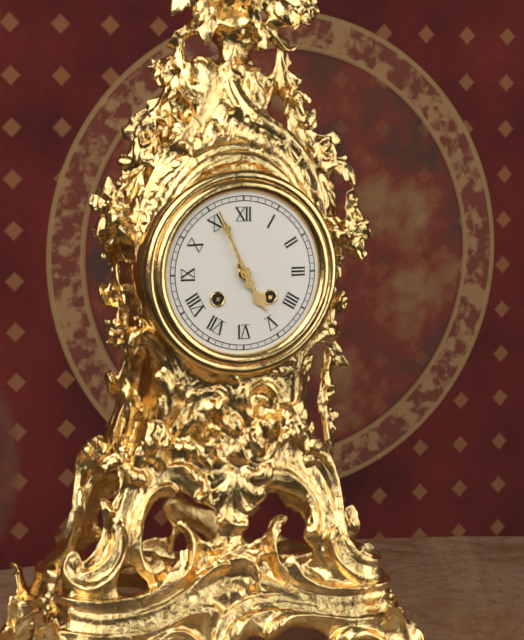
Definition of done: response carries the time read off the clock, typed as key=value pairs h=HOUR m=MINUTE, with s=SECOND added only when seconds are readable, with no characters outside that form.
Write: h=4 m=56
